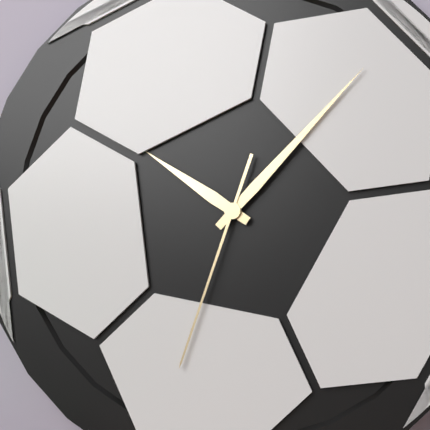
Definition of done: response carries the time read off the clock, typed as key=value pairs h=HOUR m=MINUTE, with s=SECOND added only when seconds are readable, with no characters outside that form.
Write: h=10 m=7 s=33
